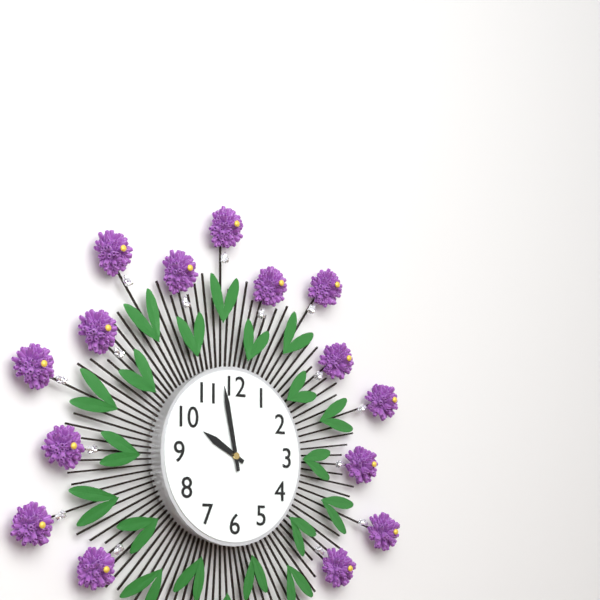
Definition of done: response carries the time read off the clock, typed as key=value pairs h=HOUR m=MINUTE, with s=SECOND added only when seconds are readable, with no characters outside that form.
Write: h=9 m=58
